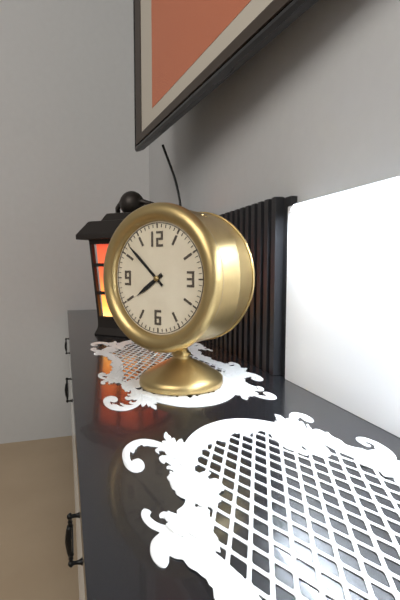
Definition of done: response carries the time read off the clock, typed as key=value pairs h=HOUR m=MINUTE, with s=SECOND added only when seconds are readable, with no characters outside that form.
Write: h=7 m=52
